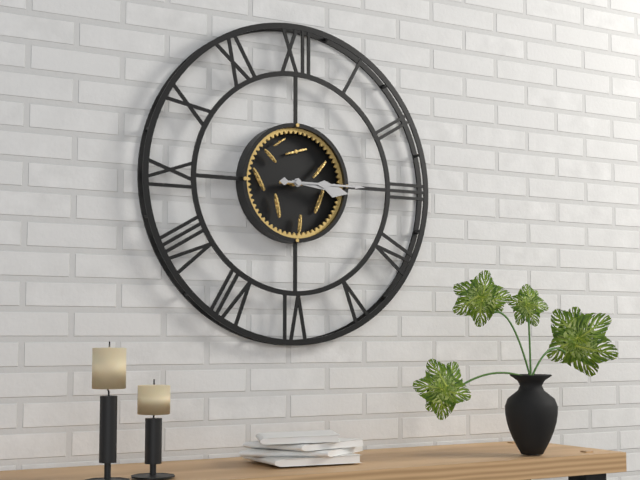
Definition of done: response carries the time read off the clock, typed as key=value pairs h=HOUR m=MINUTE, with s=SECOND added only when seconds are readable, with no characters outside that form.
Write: h=3 m=15
